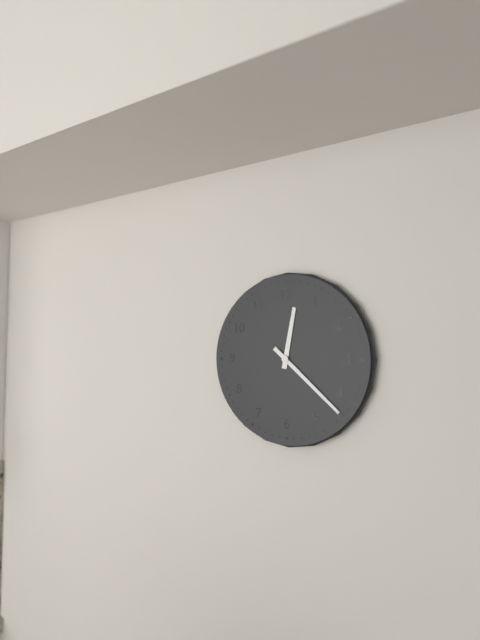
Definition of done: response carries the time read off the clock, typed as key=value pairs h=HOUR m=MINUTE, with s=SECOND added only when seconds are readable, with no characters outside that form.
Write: h=12 m=22
